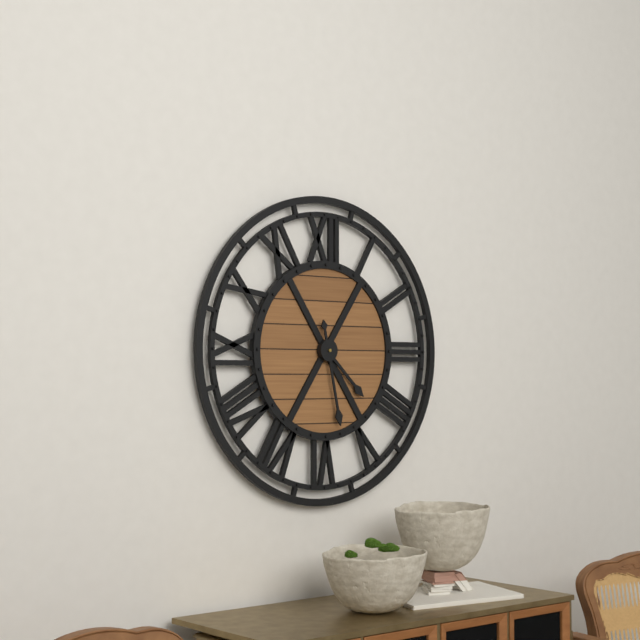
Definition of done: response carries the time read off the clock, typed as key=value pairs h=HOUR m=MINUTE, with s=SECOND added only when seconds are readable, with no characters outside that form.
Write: h=4 m=28
